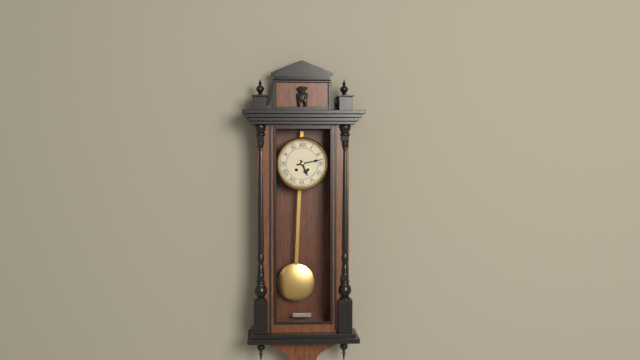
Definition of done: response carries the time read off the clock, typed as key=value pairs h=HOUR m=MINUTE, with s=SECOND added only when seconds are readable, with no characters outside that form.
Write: h=5 m=13
